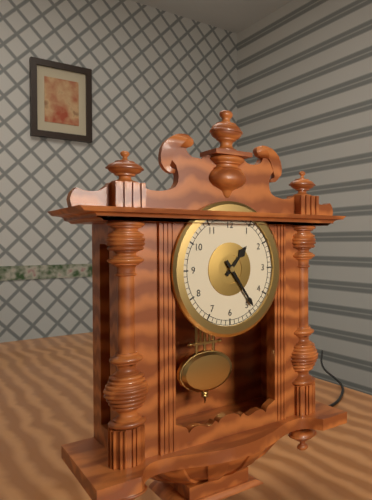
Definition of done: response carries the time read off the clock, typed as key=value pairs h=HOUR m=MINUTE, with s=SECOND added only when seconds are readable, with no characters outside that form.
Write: h=1 m=24
